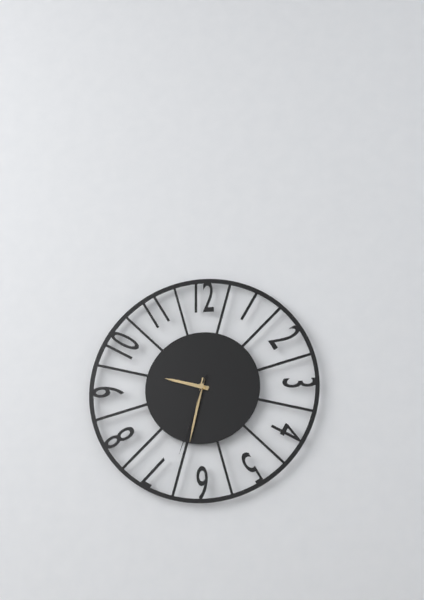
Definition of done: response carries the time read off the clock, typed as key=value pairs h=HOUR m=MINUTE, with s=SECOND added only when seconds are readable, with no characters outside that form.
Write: h=9 m=32 s=33
